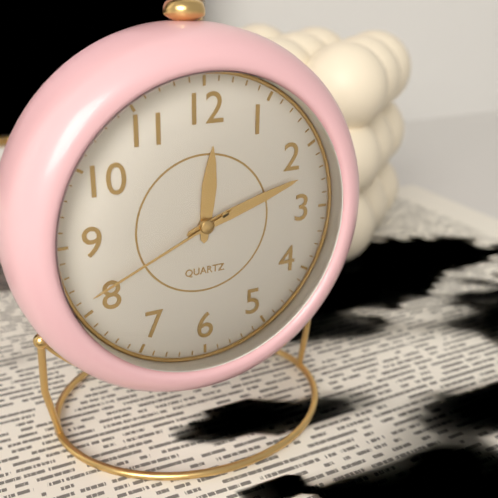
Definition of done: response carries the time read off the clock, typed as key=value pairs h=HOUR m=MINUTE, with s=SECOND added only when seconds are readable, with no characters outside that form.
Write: h=12 m=12 s=41
